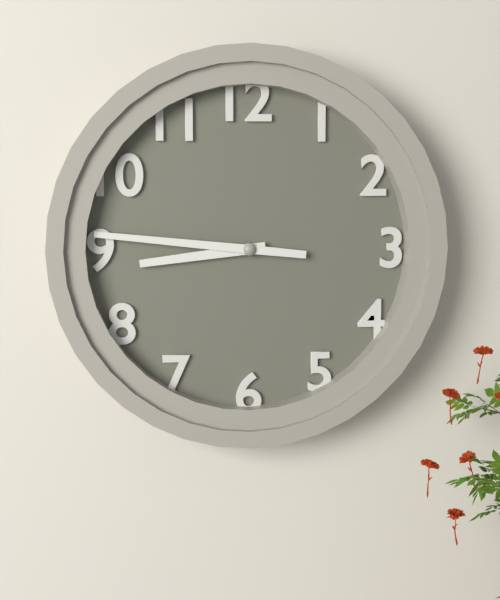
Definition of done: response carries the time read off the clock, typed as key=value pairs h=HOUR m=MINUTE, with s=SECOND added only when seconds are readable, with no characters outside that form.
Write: h=8 m=46
